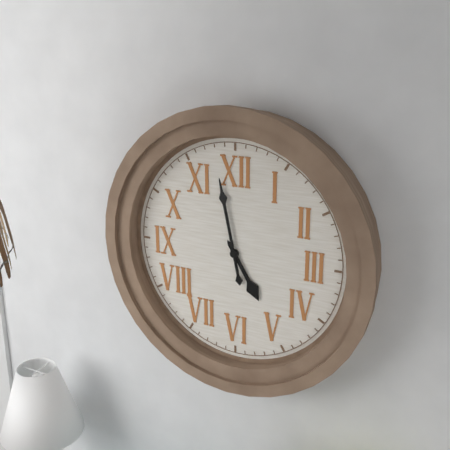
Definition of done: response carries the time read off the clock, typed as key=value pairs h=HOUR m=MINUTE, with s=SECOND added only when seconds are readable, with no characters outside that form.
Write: h=4 m=58
